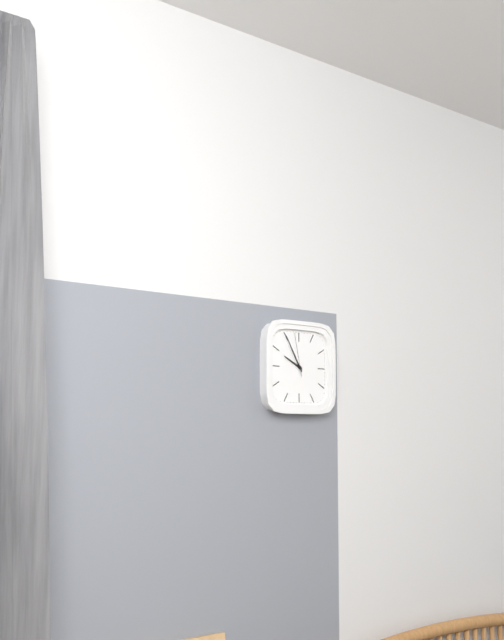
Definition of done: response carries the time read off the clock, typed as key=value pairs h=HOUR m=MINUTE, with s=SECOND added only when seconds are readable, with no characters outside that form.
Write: h=9 m=55
